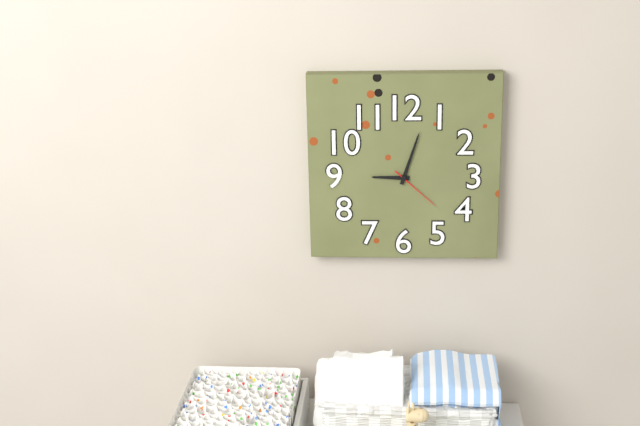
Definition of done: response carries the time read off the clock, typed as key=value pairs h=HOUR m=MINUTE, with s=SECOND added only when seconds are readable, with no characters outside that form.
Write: h=9 m=3 s=22
